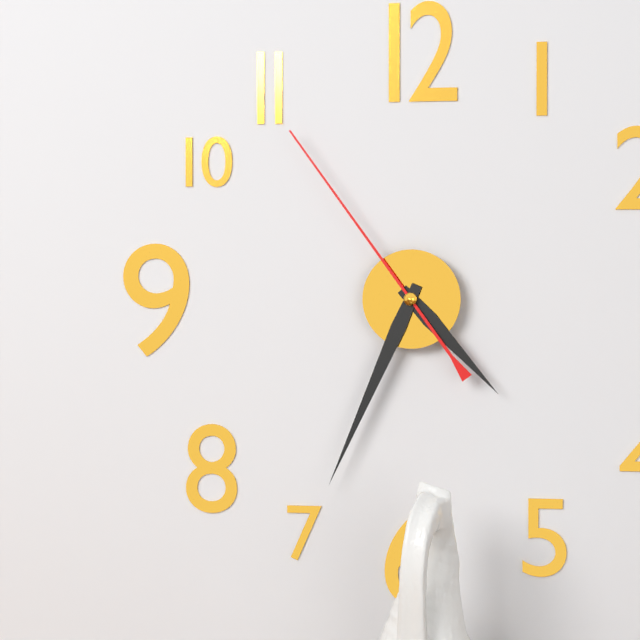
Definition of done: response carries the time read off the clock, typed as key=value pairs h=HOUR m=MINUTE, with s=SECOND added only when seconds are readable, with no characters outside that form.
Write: h=4 m=34 s=54
